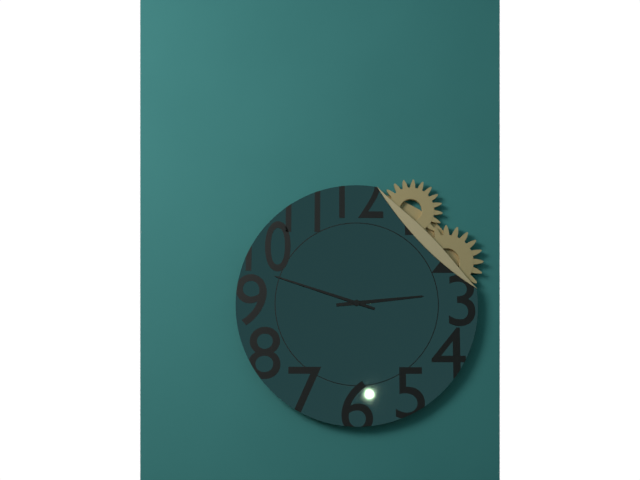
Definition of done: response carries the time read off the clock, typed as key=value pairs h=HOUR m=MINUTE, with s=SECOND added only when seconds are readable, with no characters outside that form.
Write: h=2 m=48
